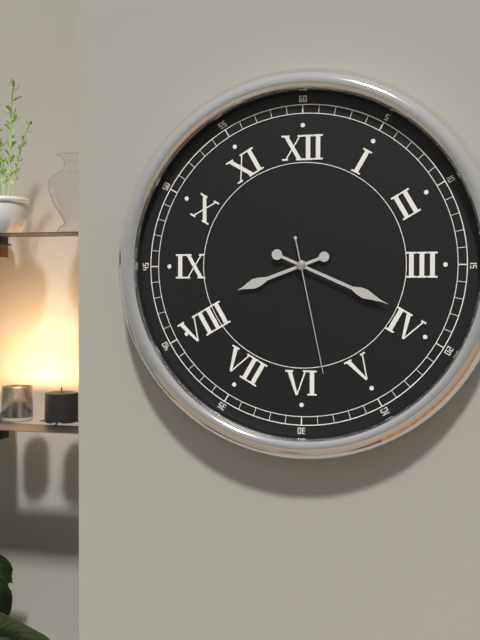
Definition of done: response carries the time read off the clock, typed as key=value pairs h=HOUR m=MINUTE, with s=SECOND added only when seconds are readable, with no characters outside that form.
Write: h=8 m=19 s=28
